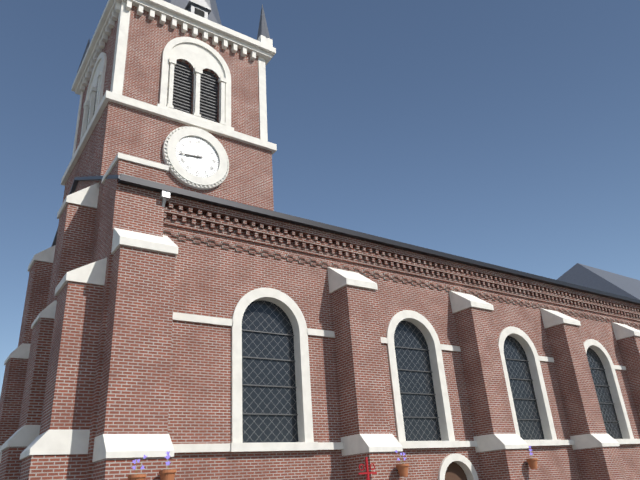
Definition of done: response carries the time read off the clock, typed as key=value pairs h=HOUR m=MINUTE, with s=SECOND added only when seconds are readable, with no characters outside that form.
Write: h=8 m=44
